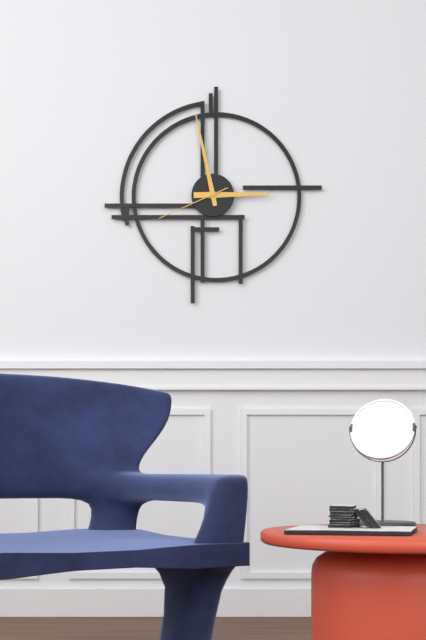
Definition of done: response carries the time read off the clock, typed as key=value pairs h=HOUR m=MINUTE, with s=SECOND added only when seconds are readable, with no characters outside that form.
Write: h=2 m=58 s=41
